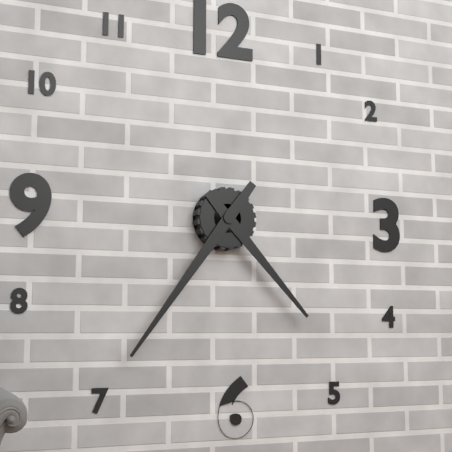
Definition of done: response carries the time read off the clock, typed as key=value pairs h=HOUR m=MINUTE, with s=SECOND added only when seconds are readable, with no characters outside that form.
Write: h=4 m=36
